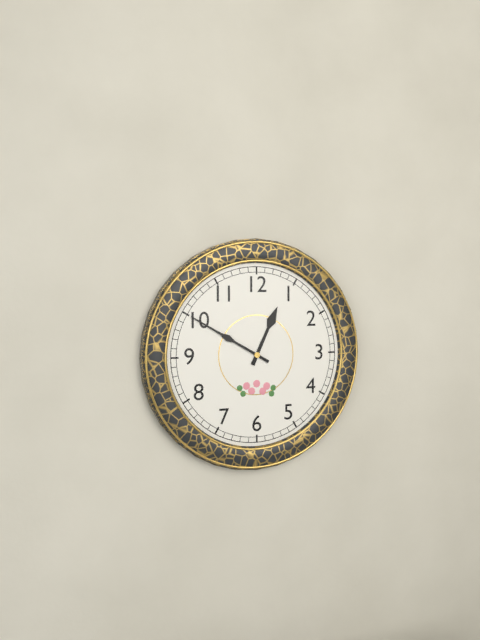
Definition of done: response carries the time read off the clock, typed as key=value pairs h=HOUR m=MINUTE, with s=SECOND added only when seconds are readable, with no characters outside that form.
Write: h=12 m=50
